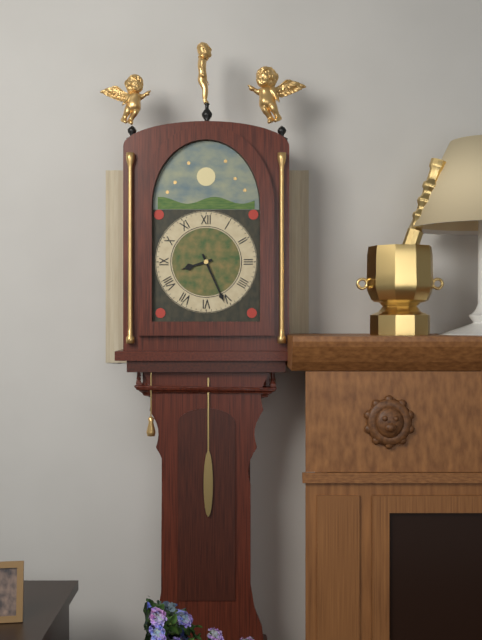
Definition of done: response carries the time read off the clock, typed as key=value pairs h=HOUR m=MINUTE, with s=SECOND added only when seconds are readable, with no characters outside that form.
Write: h=8 m=26
